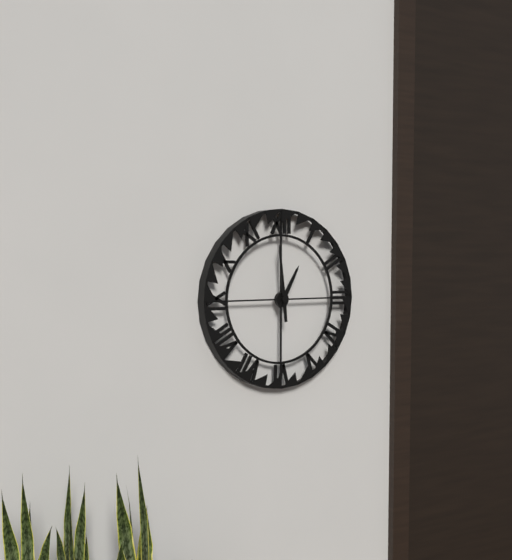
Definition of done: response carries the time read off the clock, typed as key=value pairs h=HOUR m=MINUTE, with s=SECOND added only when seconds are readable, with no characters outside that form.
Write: h=12 m=59
